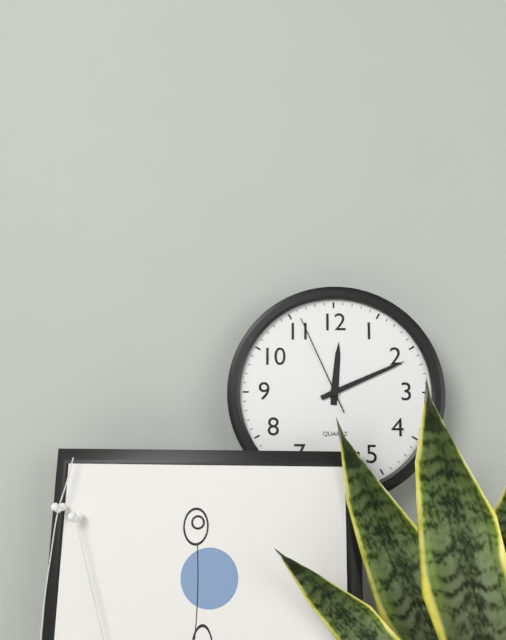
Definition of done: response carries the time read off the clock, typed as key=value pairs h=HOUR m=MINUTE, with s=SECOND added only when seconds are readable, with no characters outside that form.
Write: h=12 m=11 s=56
